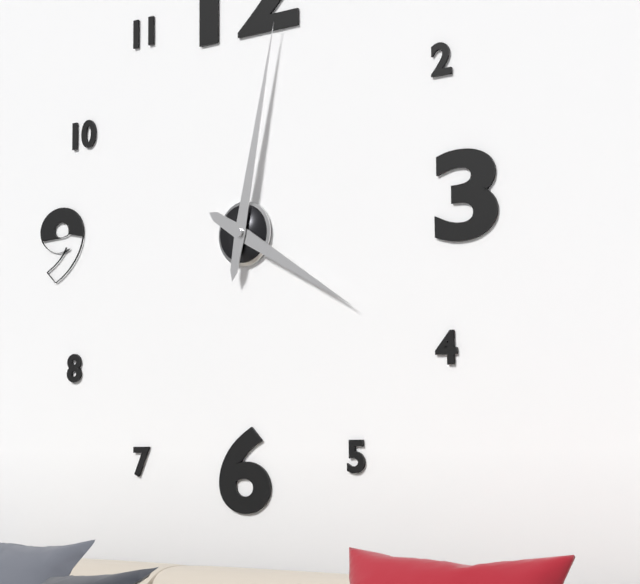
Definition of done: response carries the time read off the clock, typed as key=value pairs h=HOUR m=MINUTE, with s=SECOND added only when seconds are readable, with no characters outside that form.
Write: h=4 m=2
